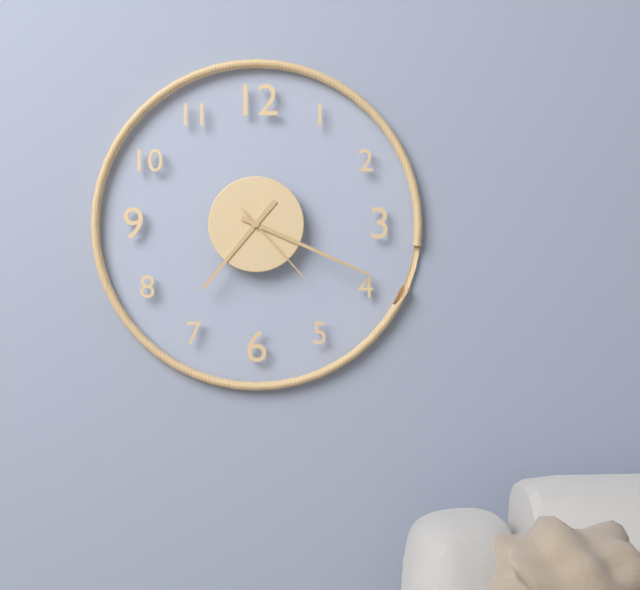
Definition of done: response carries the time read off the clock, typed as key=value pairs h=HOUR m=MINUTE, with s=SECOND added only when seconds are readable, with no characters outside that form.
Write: h=7 m=19 s=23
